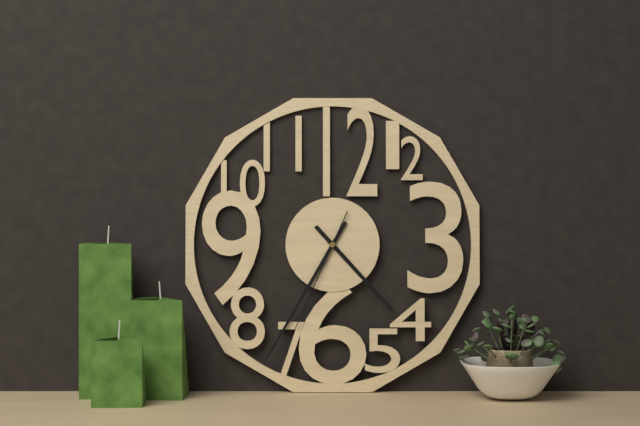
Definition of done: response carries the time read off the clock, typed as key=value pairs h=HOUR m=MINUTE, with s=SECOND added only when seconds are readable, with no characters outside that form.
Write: h=4 m=35 s=34
